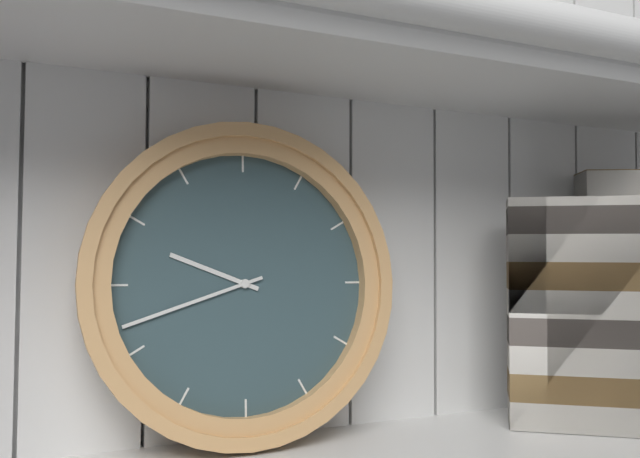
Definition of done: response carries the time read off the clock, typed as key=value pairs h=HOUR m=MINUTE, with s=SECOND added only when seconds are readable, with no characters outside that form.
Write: h=9 m=42
